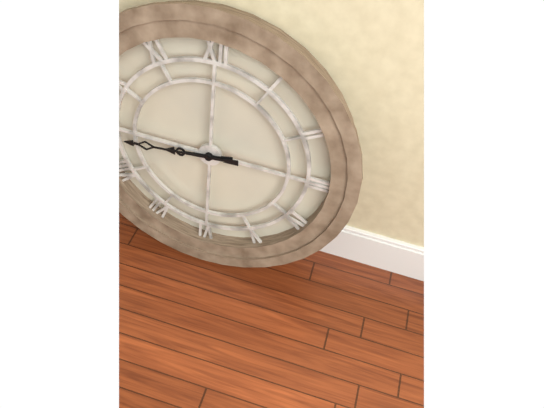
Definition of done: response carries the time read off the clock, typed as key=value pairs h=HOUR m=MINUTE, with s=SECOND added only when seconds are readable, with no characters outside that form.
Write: h=8 m=44
